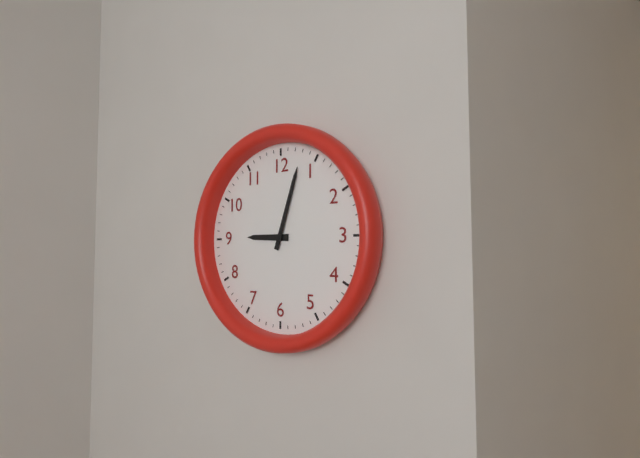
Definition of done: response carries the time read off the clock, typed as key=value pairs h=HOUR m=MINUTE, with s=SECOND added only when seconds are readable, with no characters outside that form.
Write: h=9 m=3
